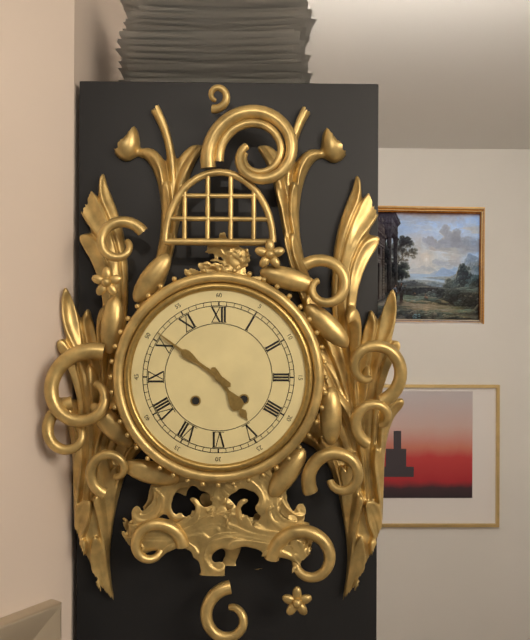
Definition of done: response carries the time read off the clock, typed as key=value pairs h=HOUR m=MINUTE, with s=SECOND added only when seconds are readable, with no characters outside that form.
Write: h=4 m=51
